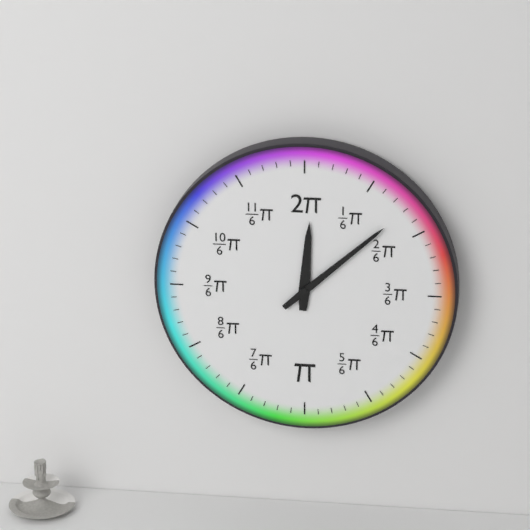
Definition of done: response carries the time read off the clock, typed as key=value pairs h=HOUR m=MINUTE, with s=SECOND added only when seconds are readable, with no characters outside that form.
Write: h=12 m=8
